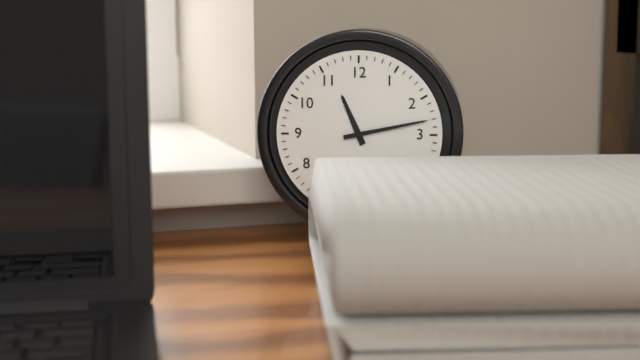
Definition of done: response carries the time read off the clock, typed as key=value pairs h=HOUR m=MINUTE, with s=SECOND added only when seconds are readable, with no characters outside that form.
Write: h=11 m=13
